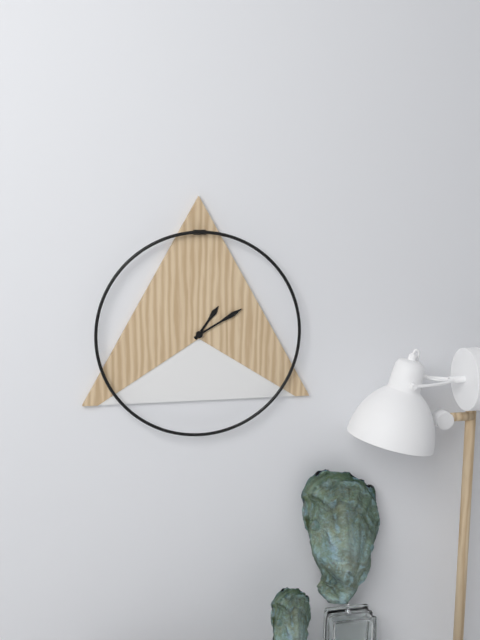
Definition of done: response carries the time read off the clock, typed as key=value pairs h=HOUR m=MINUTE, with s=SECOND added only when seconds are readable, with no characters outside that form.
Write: h=1 m=10
